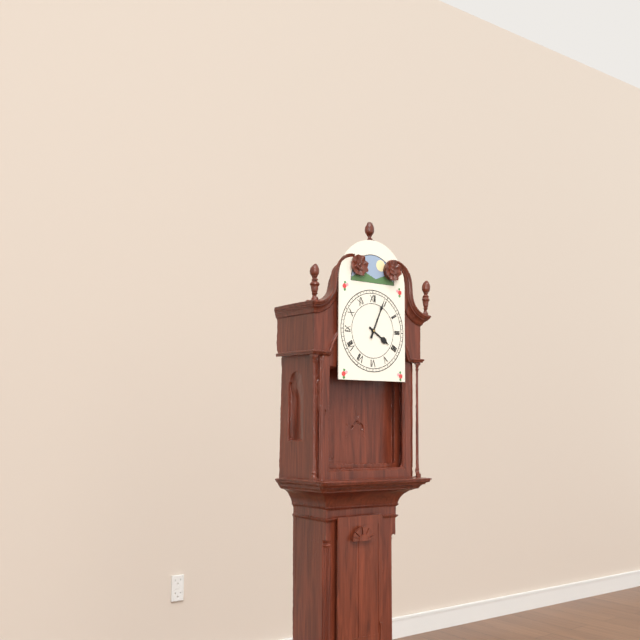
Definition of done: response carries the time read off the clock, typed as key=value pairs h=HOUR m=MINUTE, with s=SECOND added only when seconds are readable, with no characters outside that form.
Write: h=4 m=4
